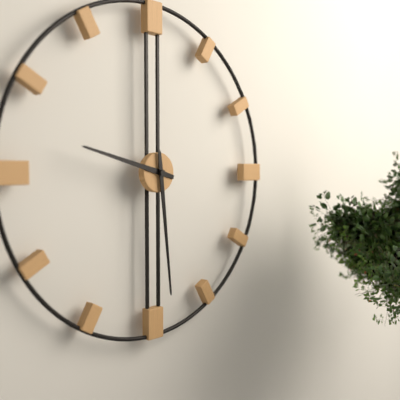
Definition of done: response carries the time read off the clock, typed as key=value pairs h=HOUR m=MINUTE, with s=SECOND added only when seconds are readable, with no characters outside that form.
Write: h=9 m=29
